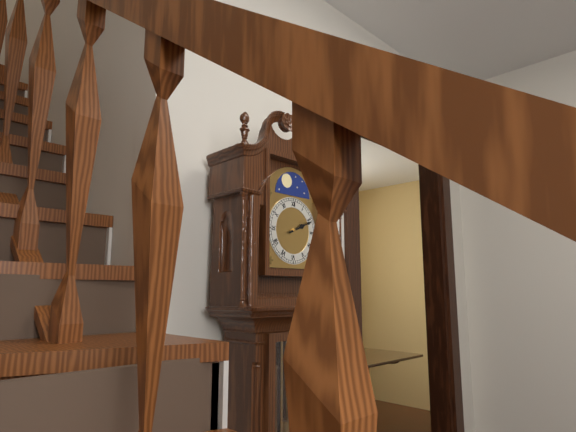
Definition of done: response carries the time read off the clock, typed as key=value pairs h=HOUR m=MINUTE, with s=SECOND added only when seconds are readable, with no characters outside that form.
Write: h=2 m=11
